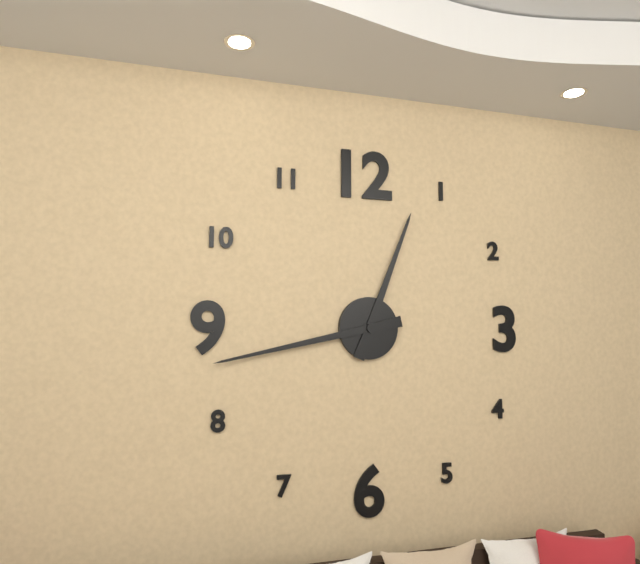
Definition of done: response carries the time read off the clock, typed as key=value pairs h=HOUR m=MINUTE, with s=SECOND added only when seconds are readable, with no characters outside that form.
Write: h=12 m=43
